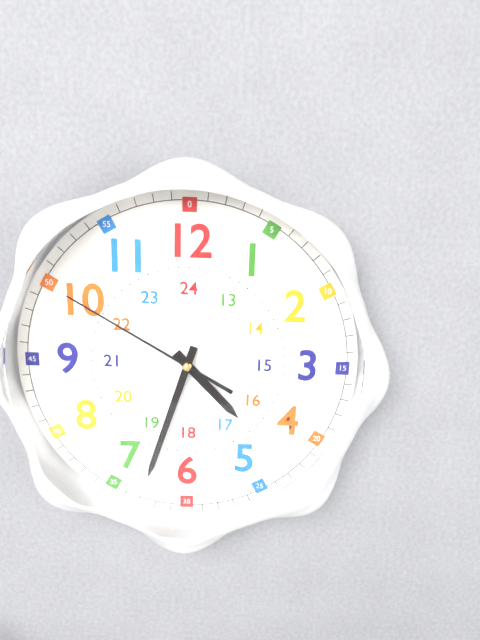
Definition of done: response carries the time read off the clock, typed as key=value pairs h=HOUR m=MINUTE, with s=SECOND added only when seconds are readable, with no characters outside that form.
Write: h=4 m=33 s=50
